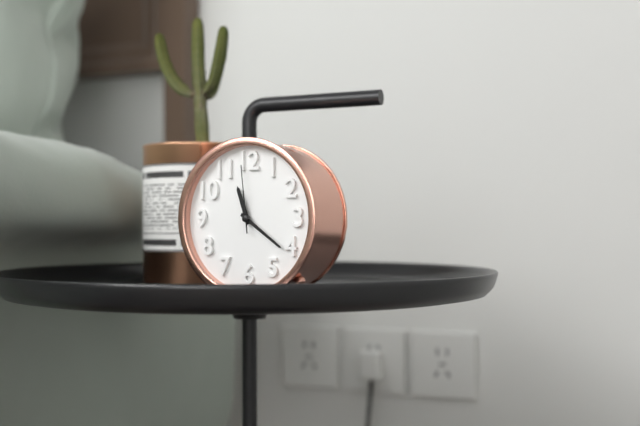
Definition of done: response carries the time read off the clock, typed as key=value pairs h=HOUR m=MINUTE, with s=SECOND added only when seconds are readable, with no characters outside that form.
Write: h=11 m=21 s=59
